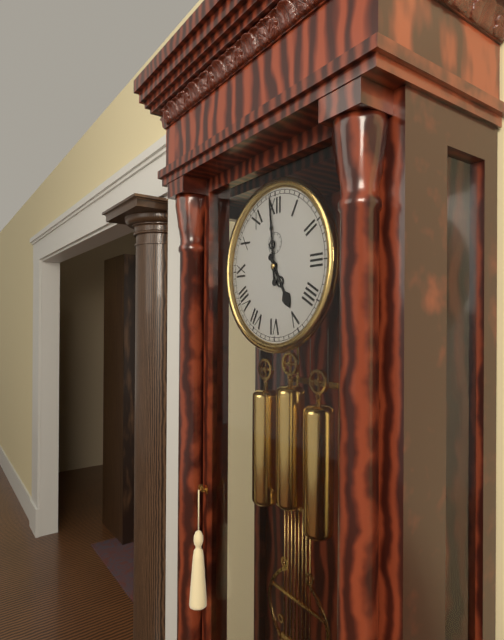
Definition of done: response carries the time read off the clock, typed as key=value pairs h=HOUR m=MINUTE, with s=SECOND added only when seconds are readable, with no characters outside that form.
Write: h=4 m=59
